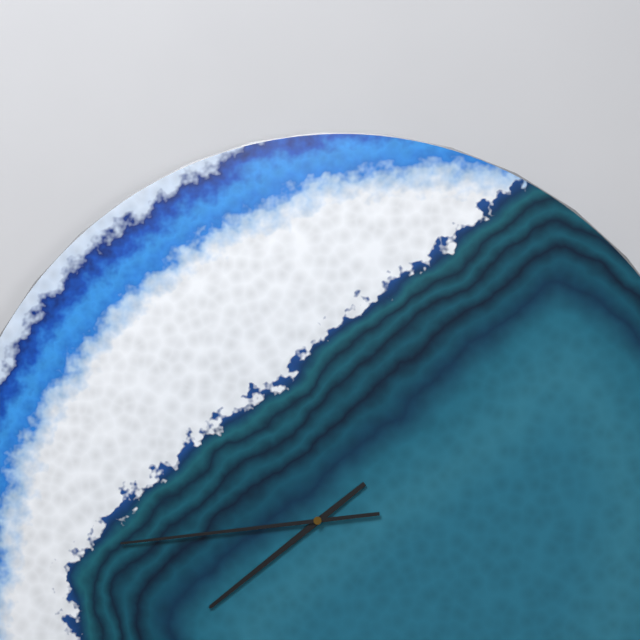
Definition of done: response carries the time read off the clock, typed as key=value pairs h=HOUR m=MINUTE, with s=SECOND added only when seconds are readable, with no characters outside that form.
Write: h=7 m=44
